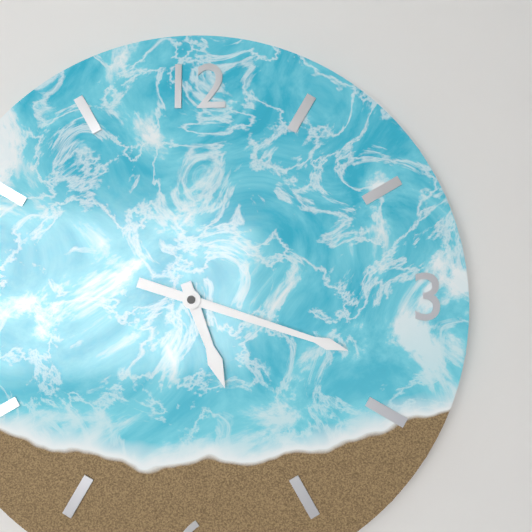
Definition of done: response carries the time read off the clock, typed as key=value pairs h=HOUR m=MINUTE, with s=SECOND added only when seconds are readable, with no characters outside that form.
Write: h=5 m=18
